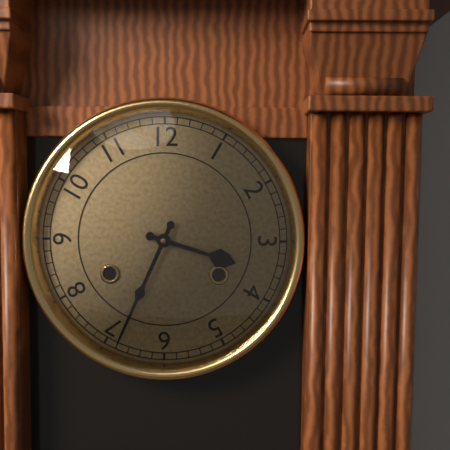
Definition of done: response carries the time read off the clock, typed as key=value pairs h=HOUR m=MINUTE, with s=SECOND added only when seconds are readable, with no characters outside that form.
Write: h=3 m=34
